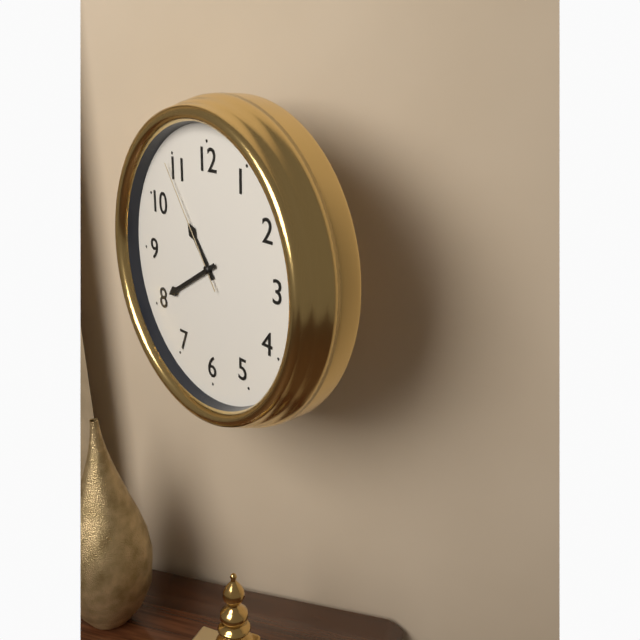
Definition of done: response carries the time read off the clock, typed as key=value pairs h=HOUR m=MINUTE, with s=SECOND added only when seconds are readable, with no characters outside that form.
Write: h=10 m=40 s=54
